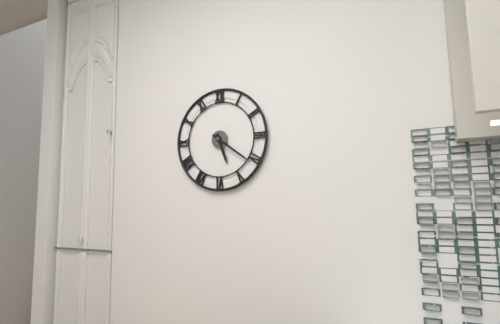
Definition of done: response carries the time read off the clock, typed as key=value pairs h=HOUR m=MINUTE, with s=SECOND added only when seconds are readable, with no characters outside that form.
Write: h=5 m=21
